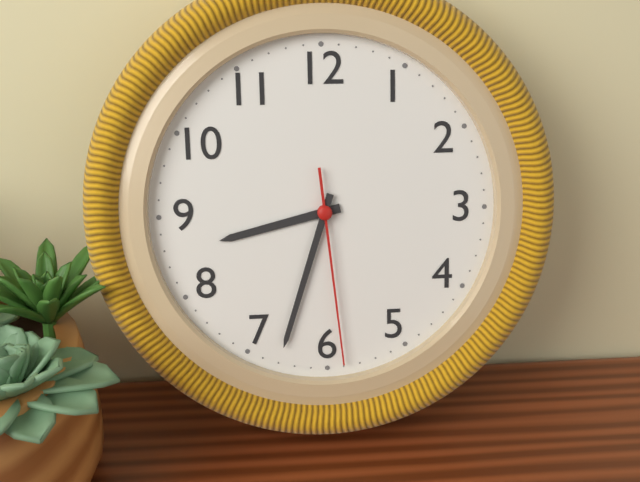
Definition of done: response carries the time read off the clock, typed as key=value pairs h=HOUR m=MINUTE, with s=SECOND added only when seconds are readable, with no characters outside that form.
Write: h=8 m=33 s=29
